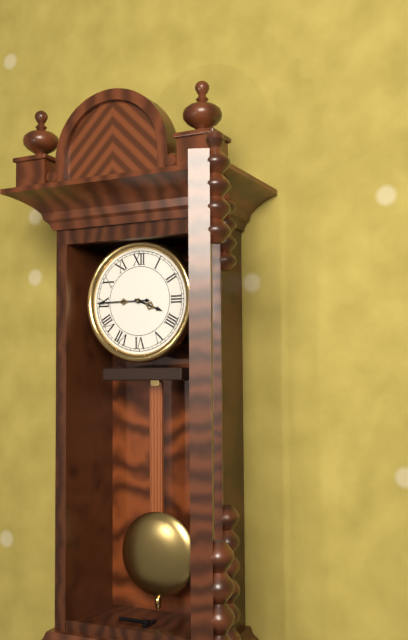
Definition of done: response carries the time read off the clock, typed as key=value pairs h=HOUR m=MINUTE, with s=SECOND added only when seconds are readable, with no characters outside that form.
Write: h=3 m=45
